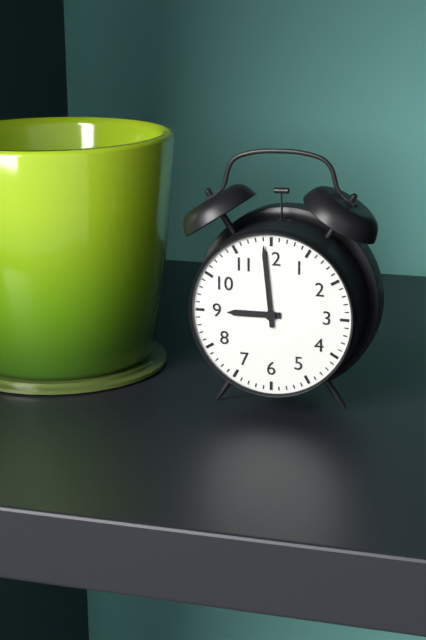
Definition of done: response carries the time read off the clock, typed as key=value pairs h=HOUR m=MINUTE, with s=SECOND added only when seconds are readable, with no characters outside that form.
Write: h=8 m=59
